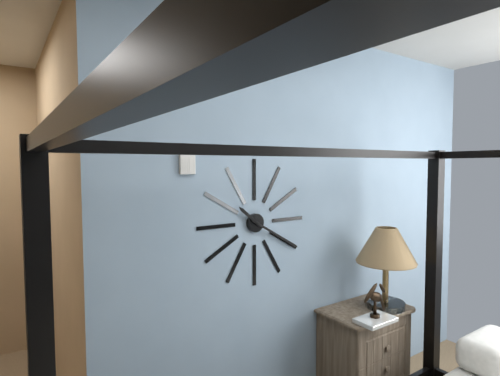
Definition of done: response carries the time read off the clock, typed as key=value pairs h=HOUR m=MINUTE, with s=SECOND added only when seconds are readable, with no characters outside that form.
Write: h=10 m=20
